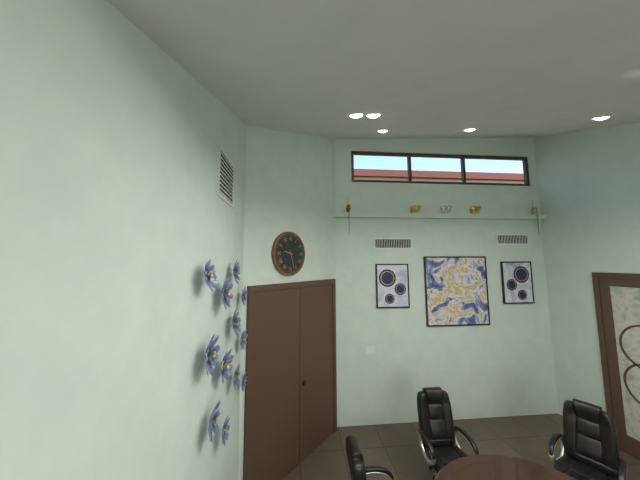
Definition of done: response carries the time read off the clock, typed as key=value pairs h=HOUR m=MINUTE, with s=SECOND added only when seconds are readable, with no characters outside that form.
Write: h=9 m=27
